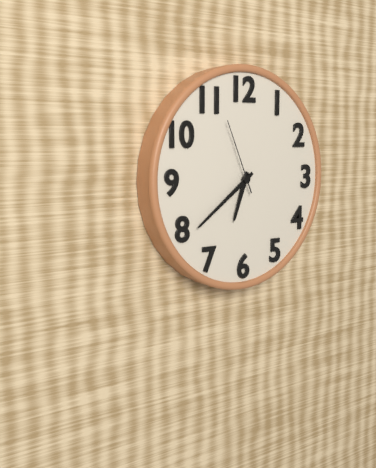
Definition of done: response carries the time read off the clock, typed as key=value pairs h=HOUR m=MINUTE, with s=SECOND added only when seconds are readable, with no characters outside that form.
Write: h=6 m=39 s=56
